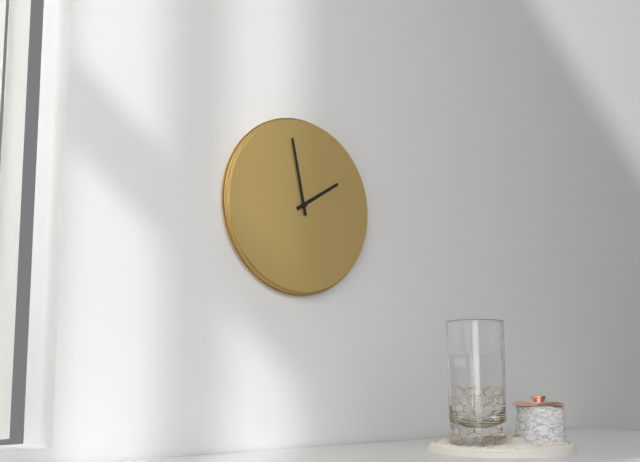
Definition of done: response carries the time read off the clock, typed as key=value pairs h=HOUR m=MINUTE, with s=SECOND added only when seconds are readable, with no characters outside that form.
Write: h=1 m=58
